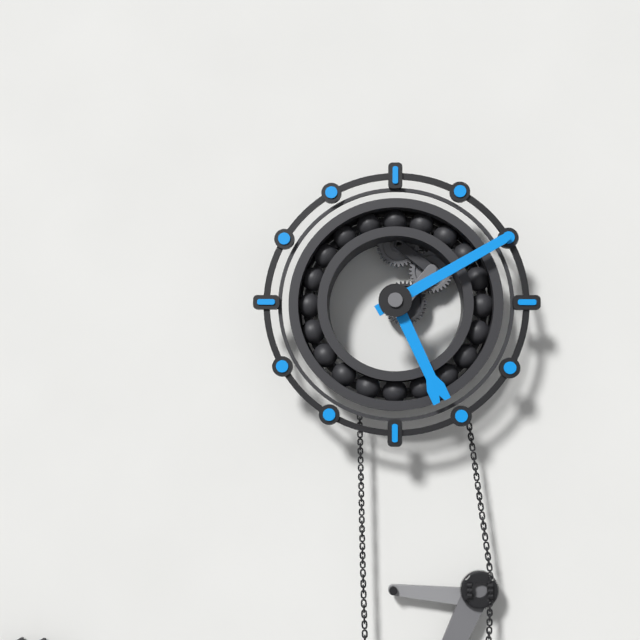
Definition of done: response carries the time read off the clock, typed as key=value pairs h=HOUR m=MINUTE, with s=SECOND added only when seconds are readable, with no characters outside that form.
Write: h=5 m=10
